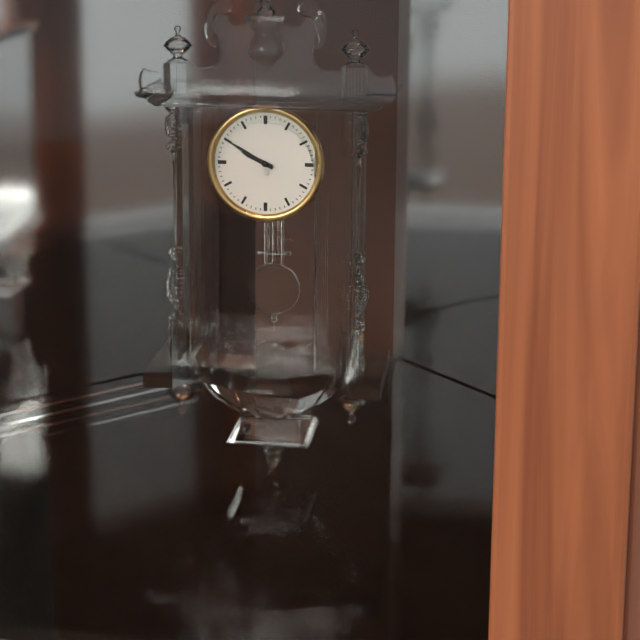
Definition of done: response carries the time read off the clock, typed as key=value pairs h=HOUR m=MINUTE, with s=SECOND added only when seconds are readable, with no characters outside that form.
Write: h=9 m=50
